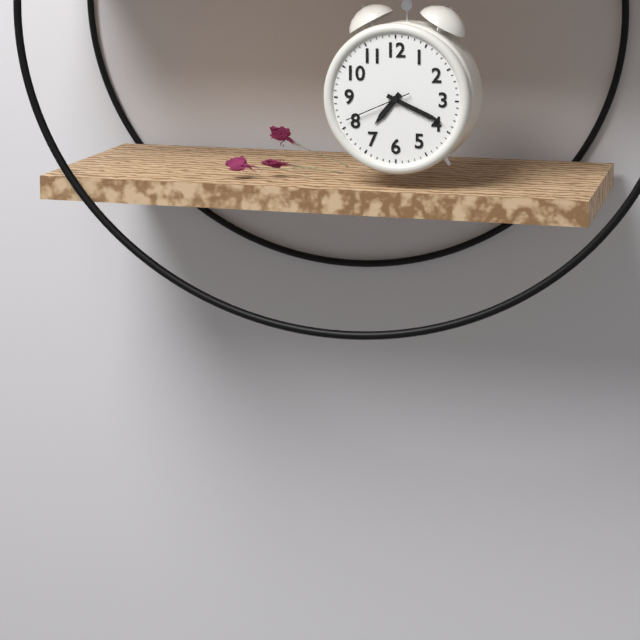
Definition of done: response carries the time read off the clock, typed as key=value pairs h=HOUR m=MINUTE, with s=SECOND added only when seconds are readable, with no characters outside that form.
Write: h=7 m=19 s=41
